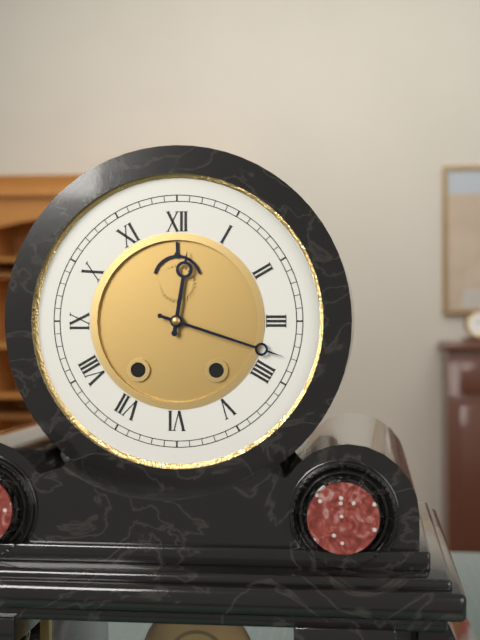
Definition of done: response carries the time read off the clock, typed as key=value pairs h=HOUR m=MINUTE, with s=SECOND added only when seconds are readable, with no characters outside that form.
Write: h=12 m=18
